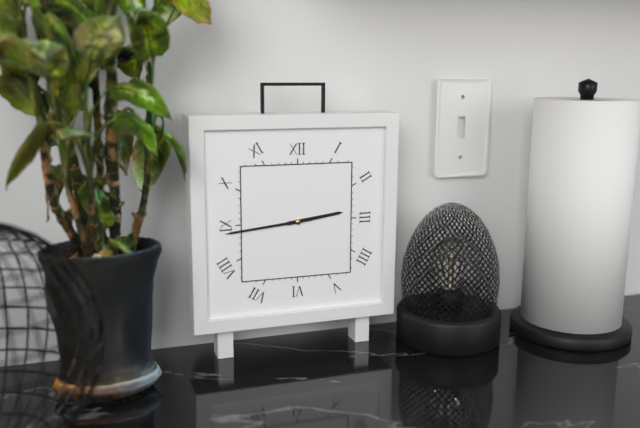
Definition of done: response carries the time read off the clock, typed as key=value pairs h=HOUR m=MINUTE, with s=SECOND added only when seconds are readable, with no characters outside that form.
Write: h=2 m=44
